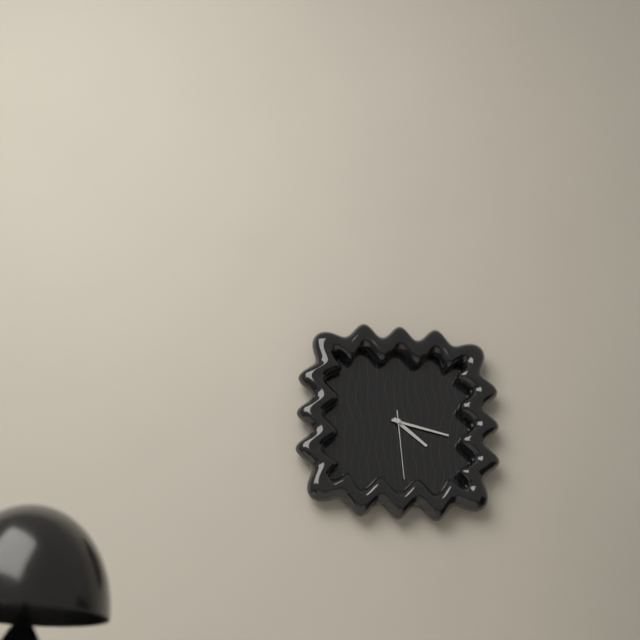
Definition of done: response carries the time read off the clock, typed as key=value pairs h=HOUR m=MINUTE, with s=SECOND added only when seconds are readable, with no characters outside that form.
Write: h=4 m=17 s=29
